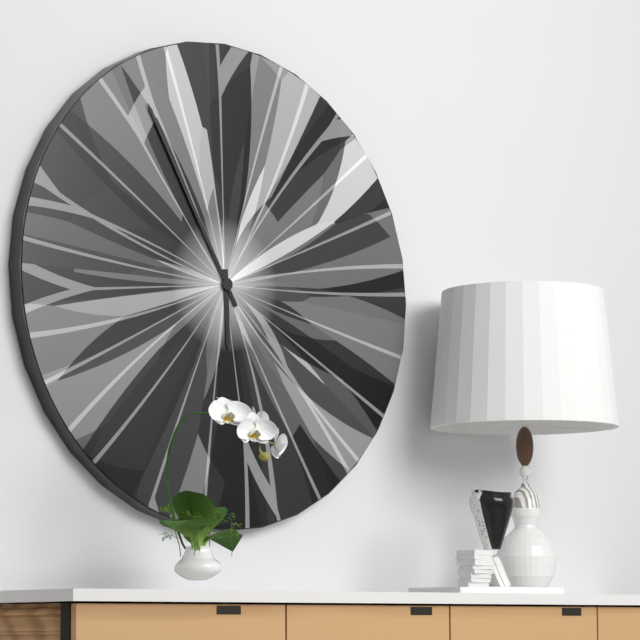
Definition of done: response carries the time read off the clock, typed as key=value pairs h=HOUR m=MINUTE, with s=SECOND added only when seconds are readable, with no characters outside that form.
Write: h=5 m=55
